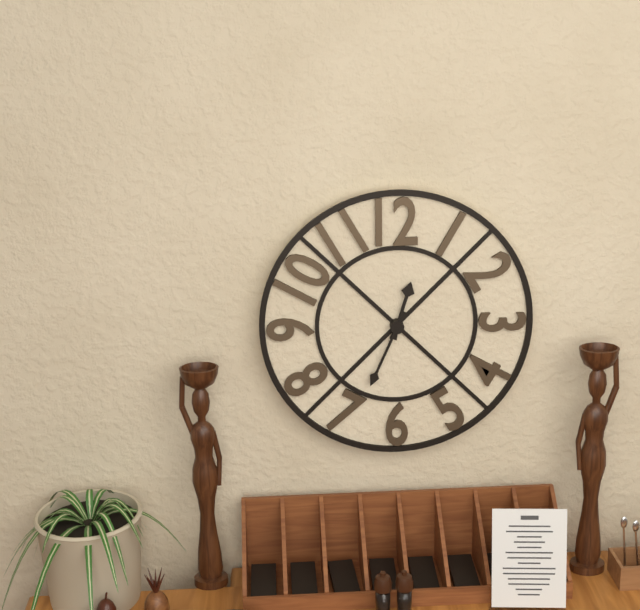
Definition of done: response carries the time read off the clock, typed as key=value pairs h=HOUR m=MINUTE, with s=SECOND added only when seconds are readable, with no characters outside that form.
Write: h=12 m=34
